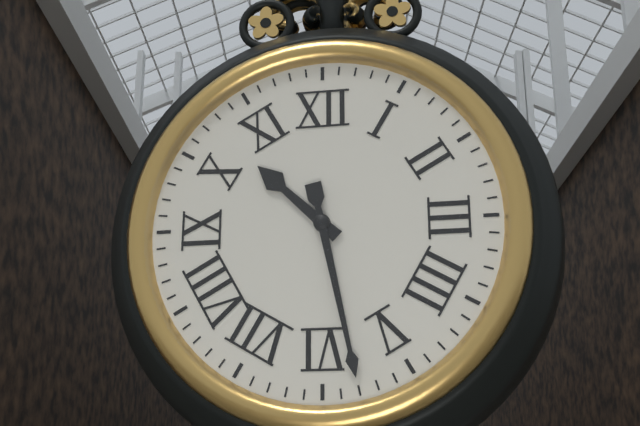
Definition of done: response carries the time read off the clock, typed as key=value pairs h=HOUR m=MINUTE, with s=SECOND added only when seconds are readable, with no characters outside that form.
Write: h=10 m=28
